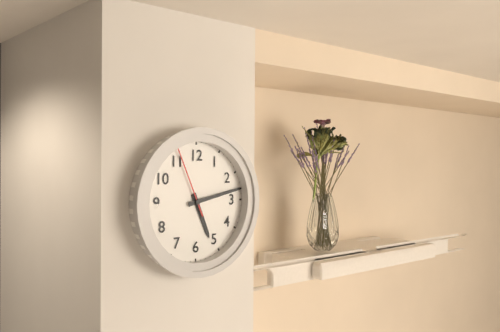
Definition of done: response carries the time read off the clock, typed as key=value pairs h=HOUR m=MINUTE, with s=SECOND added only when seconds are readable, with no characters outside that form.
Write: h=5 m=13 s=56
